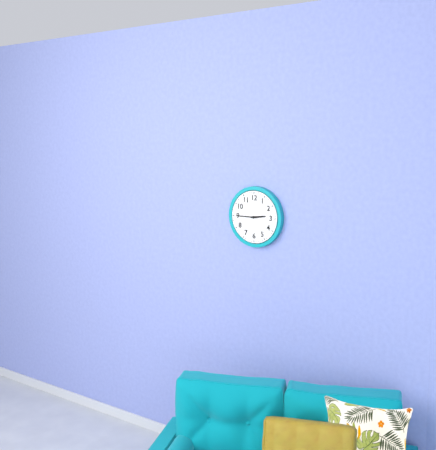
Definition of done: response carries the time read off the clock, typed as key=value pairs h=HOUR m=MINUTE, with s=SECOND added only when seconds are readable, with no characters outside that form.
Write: h=2 m=45
